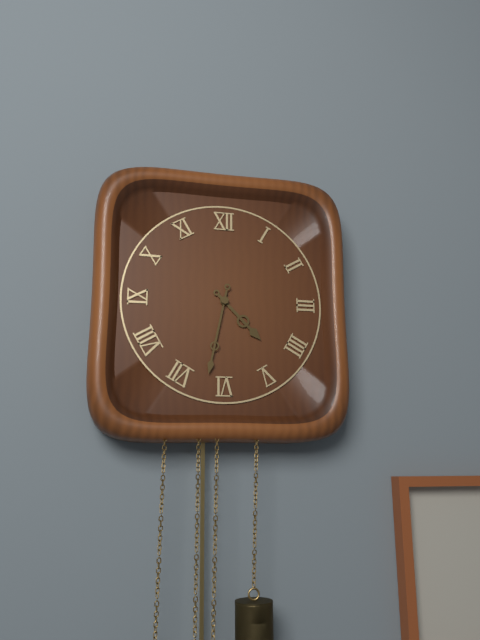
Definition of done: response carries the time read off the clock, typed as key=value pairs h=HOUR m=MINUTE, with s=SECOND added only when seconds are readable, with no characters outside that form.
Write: h=4 m=32
